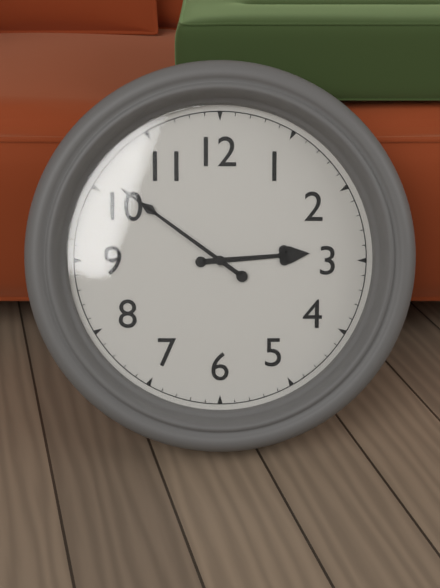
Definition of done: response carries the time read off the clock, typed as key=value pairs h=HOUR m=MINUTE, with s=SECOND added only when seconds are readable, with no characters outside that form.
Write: h=2 m=51
